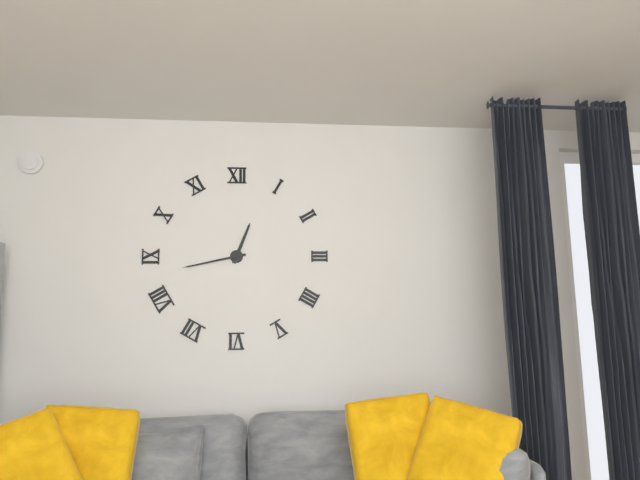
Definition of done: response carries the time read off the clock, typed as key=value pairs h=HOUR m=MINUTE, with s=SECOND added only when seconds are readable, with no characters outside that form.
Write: h=12 m=43
